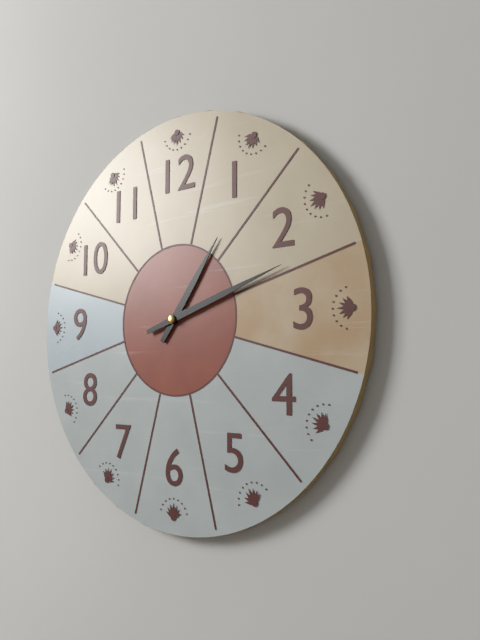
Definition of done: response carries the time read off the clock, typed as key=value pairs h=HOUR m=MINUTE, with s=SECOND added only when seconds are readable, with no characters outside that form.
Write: h=1 m=12
